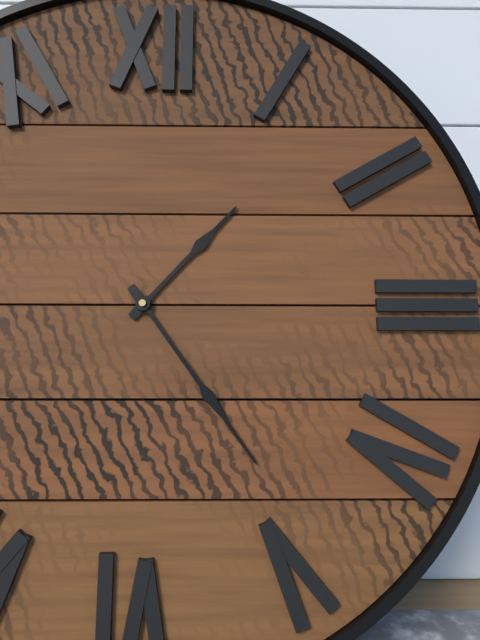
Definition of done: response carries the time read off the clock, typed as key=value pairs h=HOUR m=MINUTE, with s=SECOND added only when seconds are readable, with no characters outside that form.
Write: h=1 m=24
